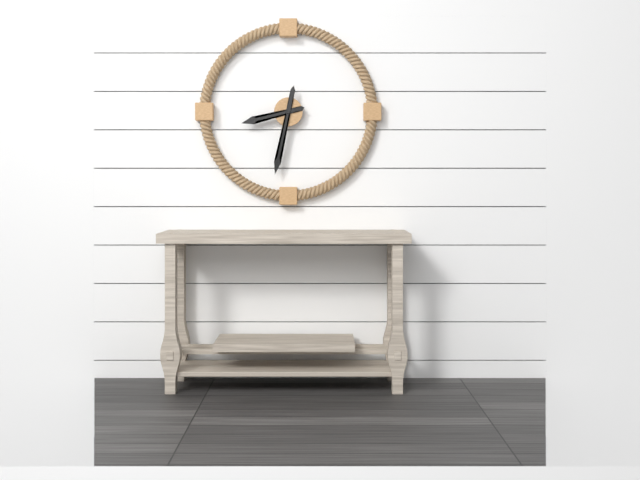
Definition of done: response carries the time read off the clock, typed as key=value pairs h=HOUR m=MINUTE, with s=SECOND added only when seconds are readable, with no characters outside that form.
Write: h=8 m=32
